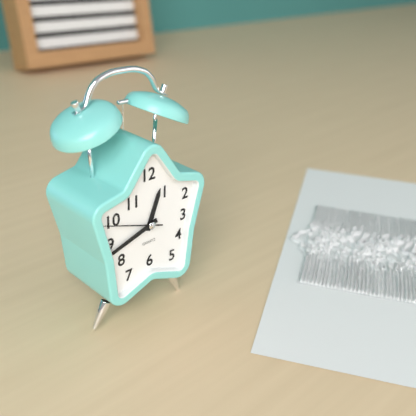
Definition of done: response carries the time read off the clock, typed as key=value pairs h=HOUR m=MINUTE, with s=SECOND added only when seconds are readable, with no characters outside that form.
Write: h=12 m=42 s=48
